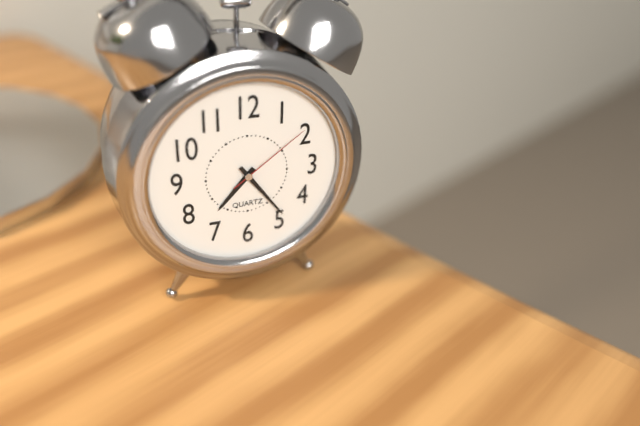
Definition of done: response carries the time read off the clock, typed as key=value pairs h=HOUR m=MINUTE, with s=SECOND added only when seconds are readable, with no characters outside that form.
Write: h=7 m=24 s=9
